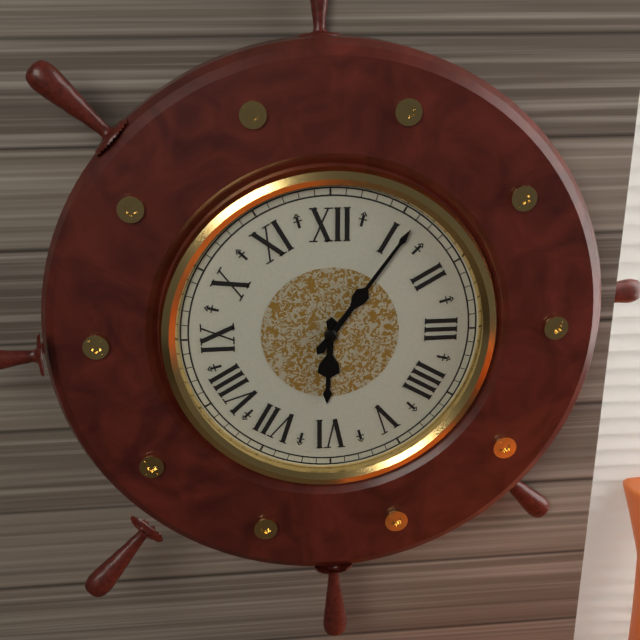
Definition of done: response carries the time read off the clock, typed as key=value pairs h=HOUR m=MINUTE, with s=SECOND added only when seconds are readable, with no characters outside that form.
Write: h=6 m=6
